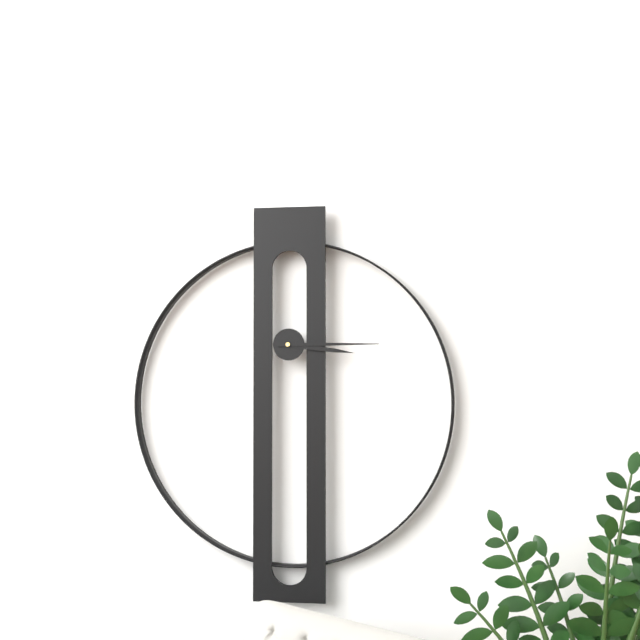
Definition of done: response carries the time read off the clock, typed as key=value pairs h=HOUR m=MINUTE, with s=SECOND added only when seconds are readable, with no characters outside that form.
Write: h=3 m=15
